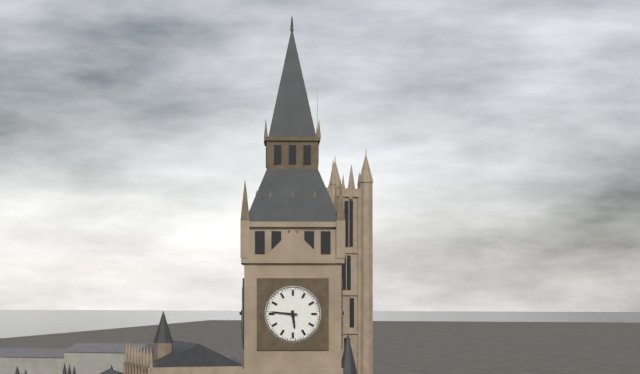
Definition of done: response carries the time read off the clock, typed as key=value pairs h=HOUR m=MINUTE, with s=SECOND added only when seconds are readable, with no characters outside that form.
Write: h=5 m=46
